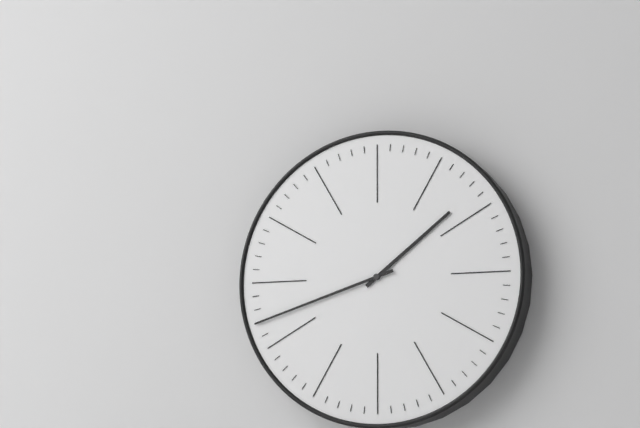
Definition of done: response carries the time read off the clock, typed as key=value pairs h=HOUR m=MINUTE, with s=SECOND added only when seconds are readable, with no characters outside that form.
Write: h=1 m=42
